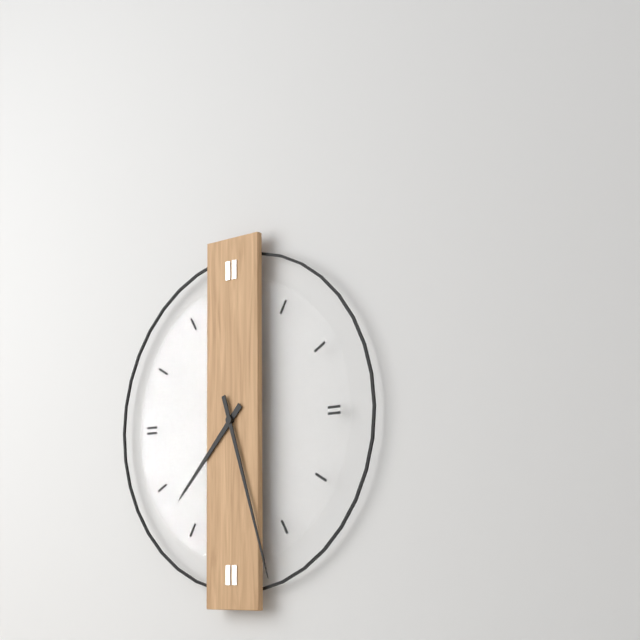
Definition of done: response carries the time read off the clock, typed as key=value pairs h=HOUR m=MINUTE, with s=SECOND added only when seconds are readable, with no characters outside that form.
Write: h=7 m=27
